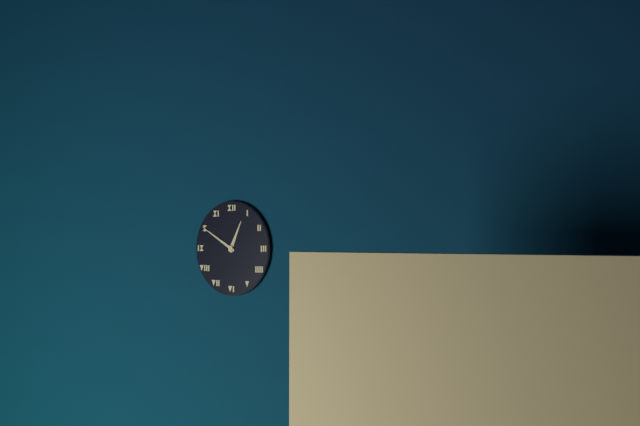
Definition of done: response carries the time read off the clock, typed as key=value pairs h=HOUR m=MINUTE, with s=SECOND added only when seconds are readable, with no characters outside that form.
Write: h=12 m=50
